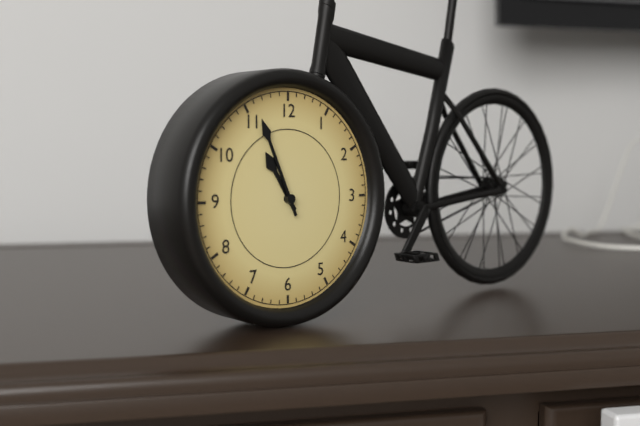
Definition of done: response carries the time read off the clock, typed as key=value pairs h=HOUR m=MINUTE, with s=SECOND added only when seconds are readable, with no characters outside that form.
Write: h=10 m=56
